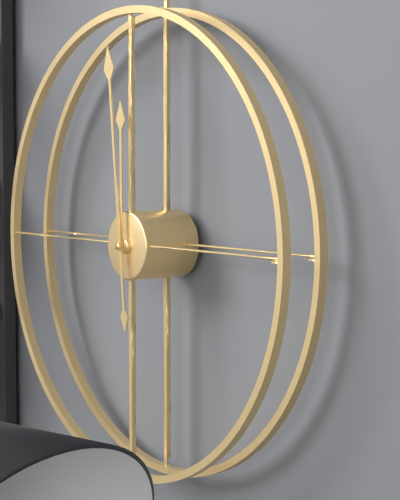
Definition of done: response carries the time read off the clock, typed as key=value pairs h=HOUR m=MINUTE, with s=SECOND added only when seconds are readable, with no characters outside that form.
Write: h=11 m=59
